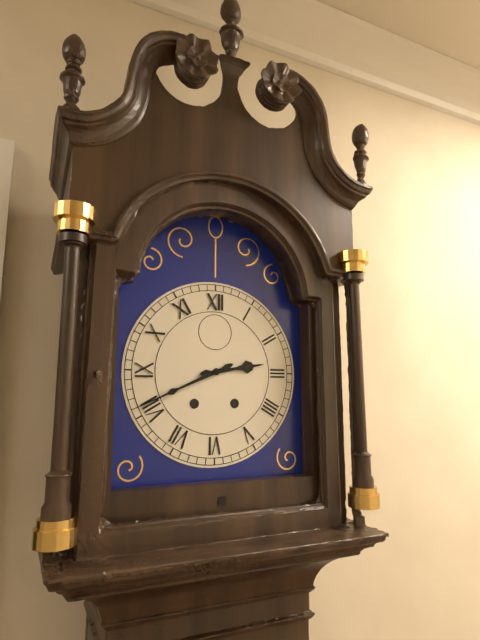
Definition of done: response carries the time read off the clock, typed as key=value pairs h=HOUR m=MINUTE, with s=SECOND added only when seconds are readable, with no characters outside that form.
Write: h=2 m=41
